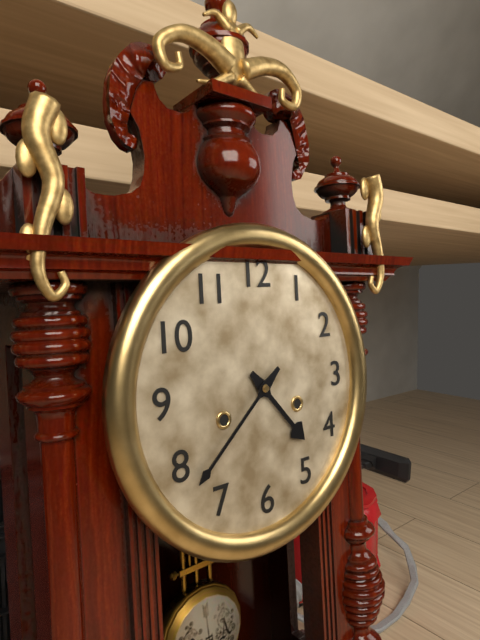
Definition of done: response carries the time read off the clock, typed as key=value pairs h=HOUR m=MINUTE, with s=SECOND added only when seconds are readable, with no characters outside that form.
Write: h=4 m=38
